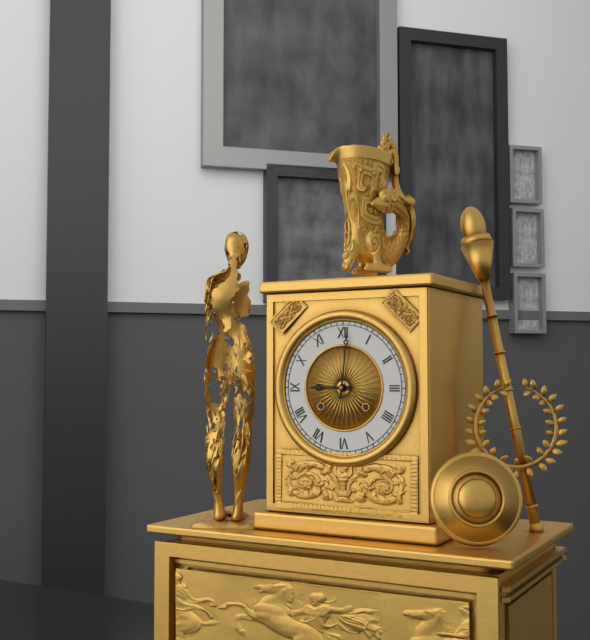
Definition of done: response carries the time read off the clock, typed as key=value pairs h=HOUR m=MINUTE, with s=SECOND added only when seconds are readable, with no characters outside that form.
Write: h=9 m=1
